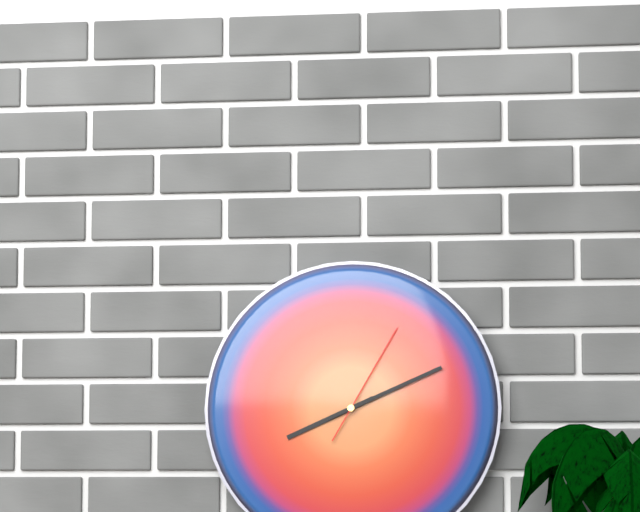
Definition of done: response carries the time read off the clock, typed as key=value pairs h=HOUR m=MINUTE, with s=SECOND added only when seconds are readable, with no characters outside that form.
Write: h=8 m=11 s=5
